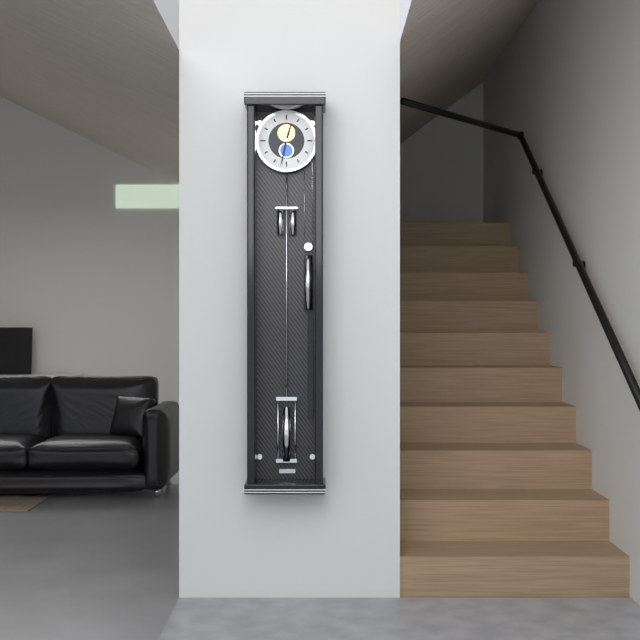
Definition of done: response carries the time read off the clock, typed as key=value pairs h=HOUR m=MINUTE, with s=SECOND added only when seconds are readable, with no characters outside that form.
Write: h=12 m=32
